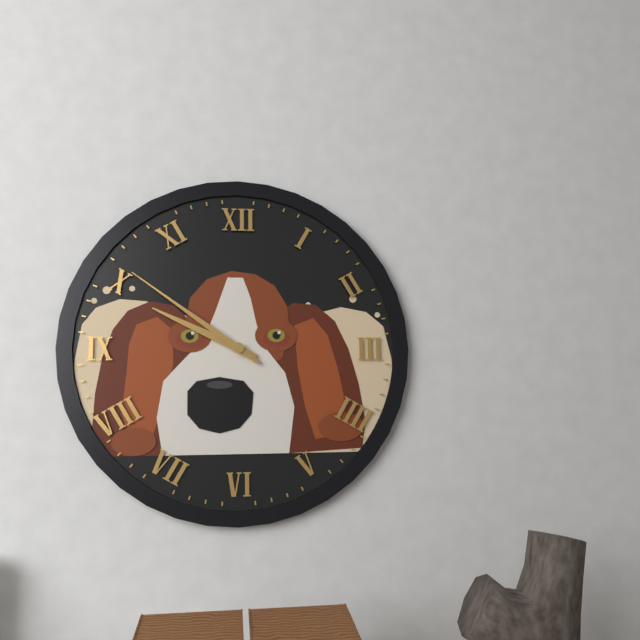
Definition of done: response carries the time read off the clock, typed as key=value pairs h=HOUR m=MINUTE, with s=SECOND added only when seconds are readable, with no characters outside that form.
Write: h=9 m=51
